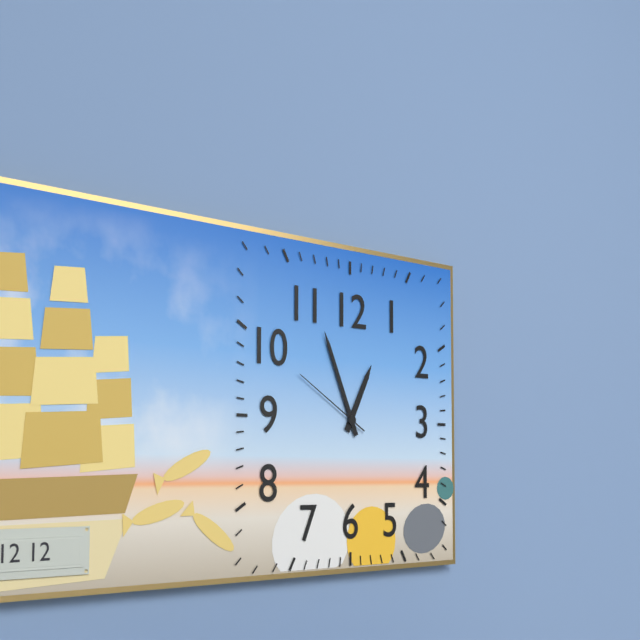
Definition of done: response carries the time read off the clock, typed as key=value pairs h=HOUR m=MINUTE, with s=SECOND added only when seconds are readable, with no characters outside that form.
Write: h=12 m=56 s=50
